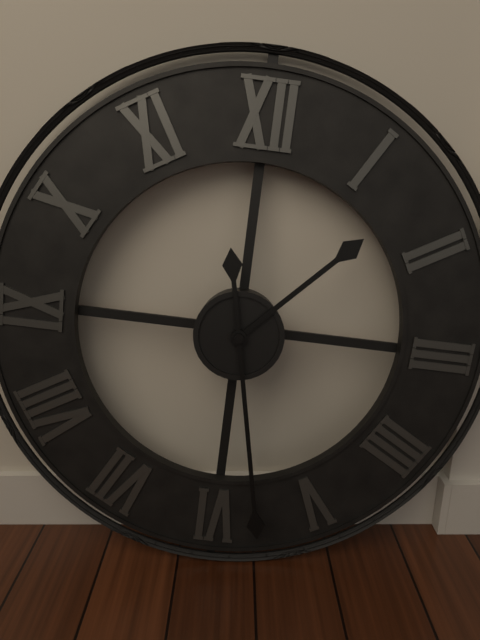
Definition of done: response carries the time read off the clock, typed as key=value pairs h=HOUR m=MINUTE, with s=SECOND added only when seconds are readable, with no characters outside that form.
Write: h=1 m=28
